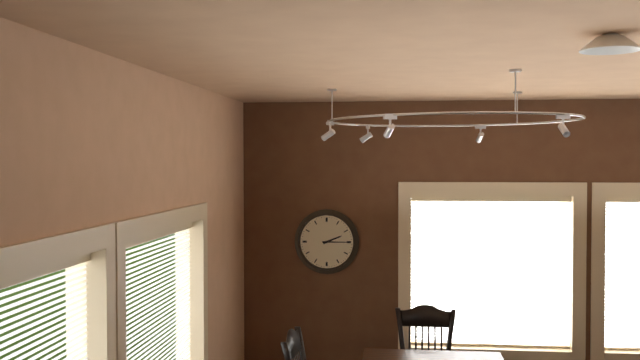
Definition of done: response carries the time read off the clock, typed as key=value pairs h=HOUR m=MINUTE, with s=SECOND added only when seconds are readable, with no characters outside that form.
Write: h=2 m=15
